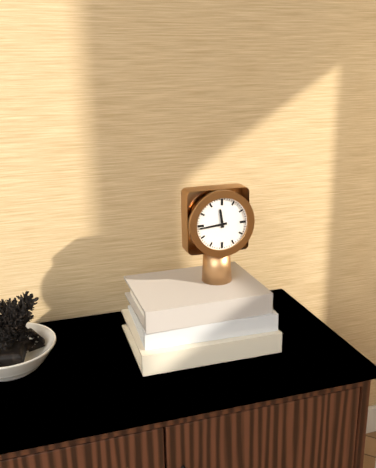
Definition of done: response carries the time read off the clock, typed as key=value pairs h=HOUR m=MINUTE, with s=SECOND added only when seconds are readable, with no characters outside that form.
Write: h=11 m=44
